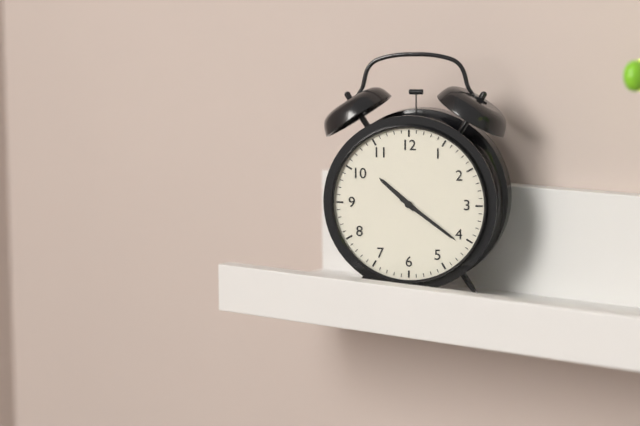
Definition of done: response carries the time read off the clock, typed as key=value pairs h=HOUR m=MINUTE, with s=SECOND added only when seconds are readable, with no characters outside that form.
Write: h=10 m=21
